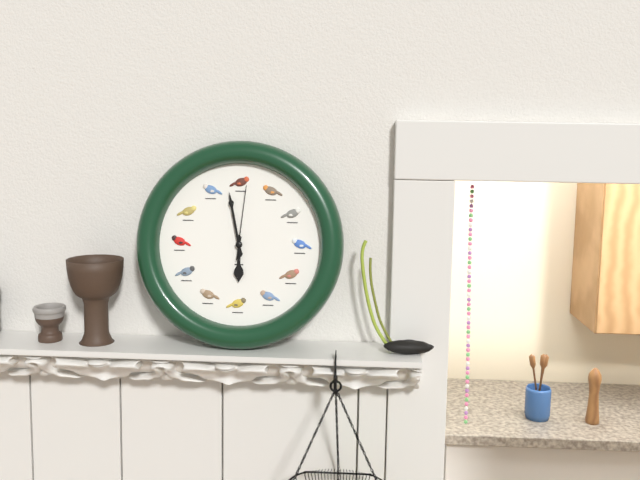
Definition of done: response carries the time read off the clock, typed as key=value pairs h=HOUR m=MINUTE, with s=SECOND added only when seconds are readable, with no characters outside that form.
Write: h=5 m=58 s=1
